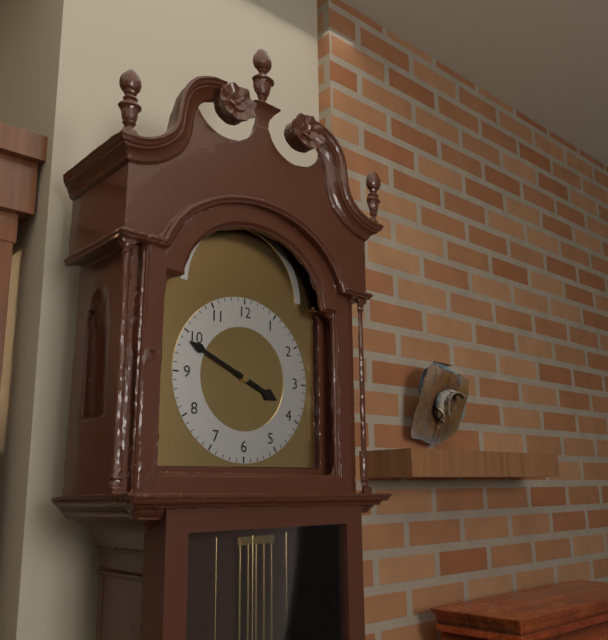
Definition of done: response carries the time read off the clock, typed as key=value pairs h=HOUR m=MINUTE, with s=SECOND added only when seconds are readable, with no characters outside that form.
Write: h=3 m=49
